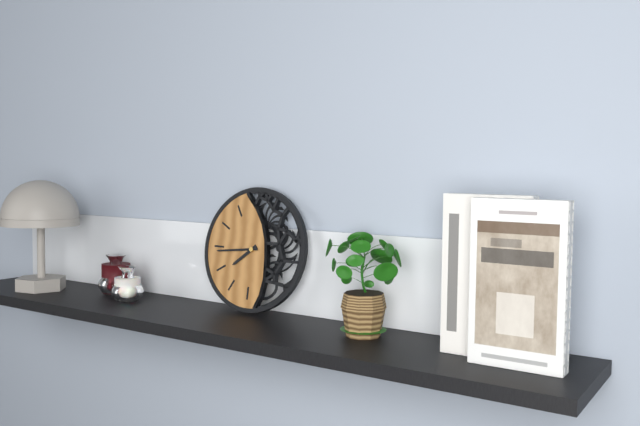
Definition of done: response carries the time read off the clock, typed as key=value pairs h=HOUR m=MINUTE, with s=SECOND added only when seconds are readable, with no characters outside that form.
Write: h=7 m=44
